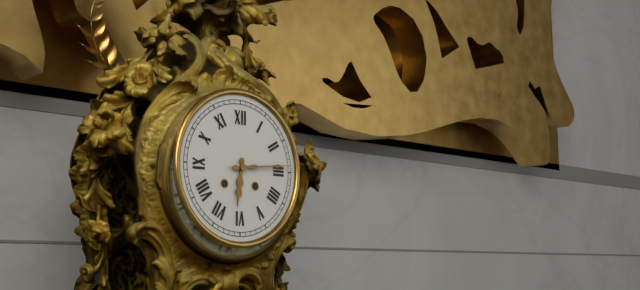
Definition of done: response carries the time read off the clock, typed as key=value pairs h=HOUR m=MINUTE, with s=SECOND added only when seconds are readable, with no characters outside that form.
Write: h=6 m=14
